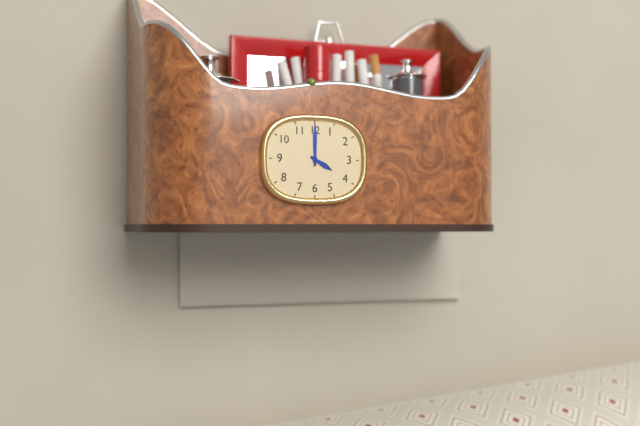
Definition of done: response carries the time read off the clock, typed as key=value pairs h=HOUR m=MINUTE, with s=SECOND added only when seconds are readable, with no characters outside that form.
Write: h=4 m=0
